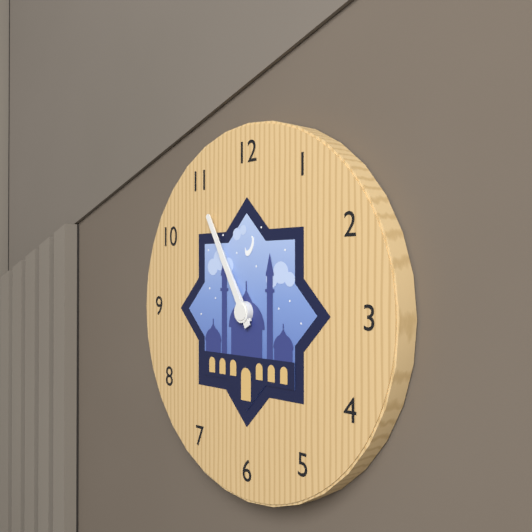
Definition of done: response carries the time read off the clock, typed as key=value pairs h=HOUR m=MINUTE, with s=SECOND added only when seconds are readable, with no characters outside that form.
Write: h=10 m=55
